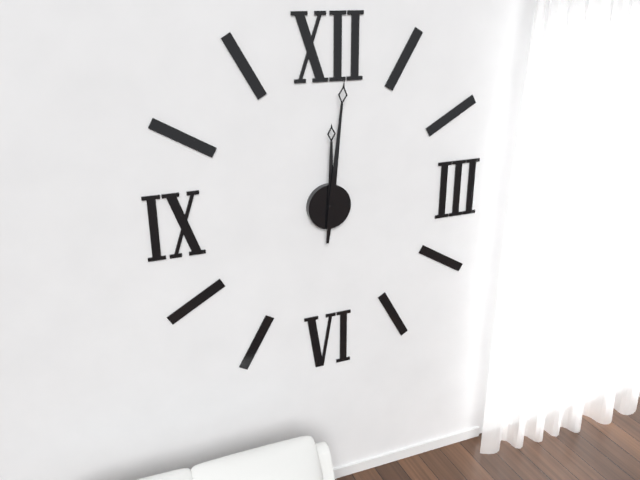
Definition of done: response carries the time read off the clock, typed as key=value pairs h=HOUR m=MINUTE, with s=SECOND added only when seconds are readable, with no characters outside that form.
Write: h=12 m=1
